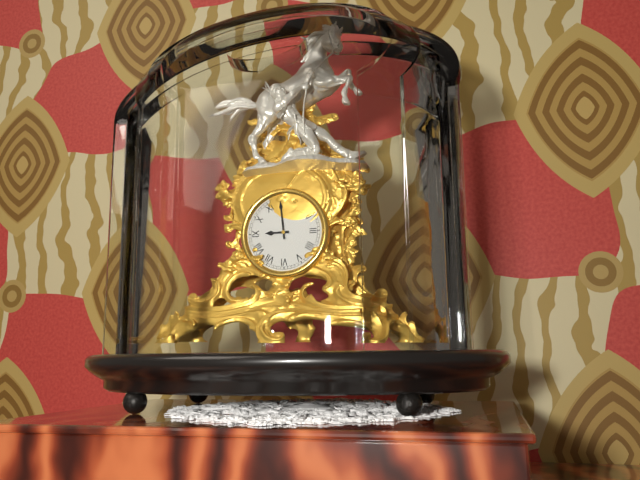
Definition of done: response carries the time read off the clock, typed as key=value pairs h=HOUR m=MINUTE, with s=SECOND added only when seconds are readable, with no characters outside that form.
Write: h=8 m=59
